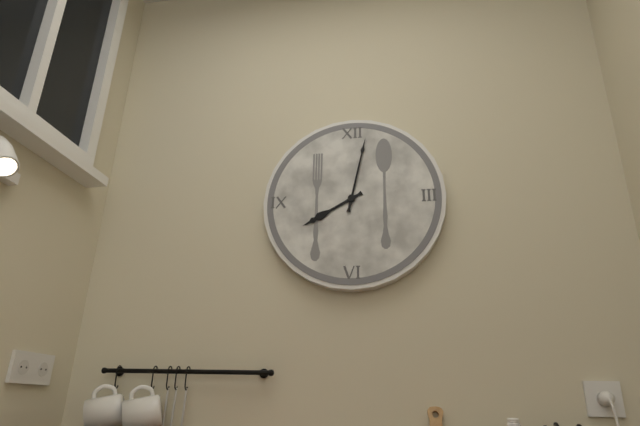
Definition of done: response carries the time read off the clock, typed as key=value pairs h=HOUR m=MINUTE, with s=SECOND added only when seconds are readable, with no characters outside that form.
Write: h=8 m=2
